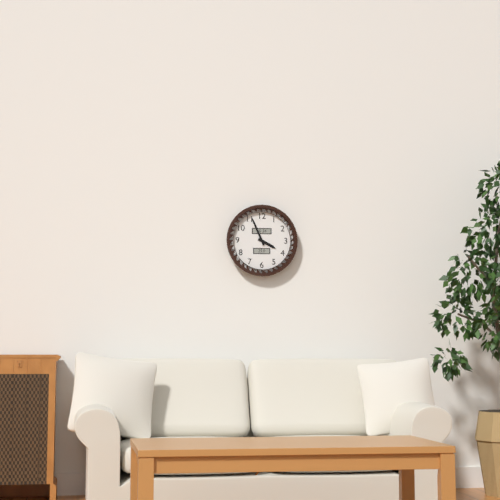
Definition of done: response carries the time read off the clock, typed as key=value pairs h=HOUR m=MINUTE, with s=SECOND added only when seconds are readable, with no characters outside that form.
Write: h=3 m=56
